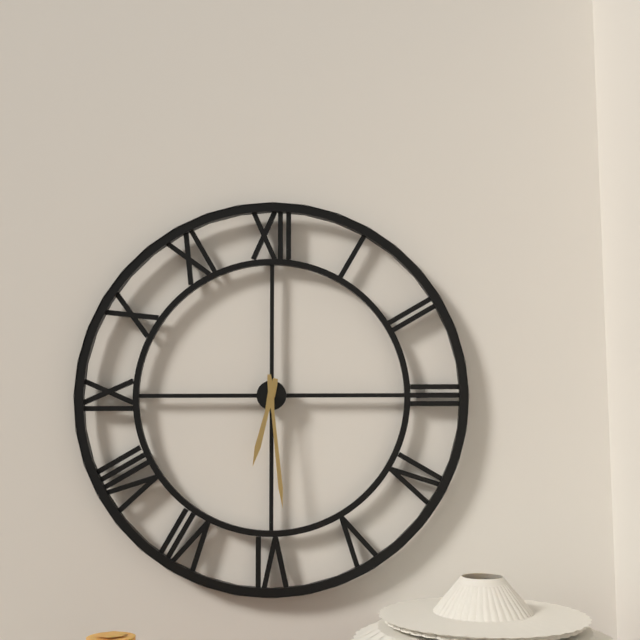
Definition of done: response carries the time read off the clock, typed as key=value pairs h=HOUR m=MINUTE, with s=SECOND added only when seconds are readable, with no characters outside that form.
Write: h=6 m=29
